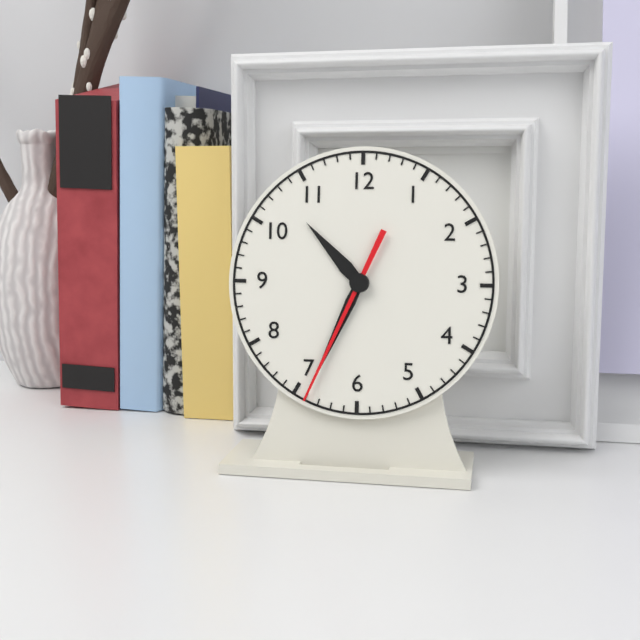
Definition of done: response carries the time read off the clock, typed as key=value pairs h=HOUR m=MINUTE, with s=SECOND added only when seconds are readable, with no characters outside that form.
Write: h=10 m=34 s=34
